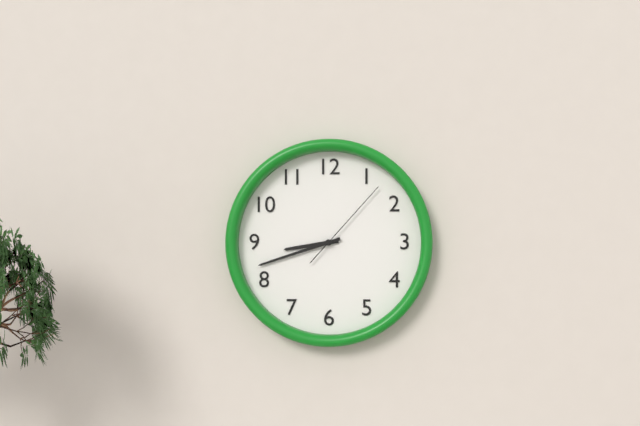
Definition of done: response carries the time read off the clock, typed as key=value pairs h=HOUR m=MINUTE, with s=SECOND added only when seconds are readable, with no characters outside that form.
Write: h=8 m=42 s=7
